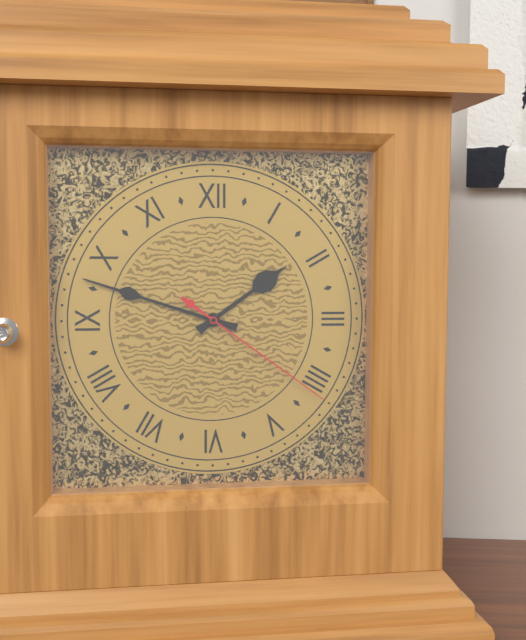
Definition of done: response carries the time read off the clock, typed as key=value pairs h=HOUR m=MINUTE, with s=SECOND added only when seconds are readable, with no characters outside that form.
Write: h=1 m=48 s=21
